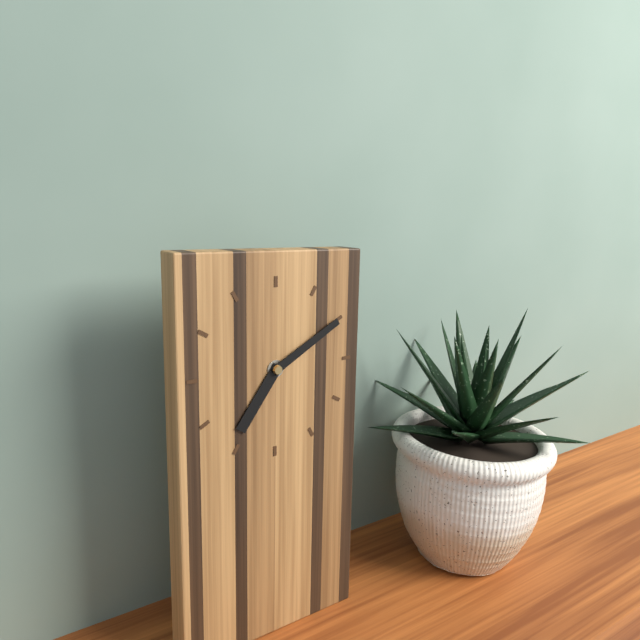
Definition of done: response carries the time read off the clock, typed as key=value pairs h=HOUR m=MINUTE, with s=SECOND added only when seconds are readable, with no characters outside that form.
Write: h=7 m=10
